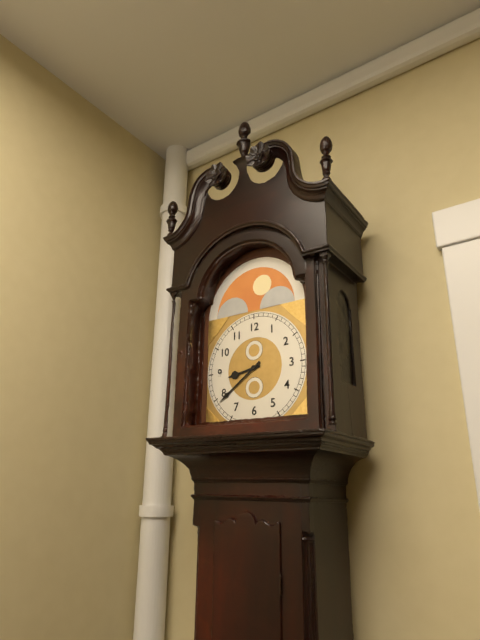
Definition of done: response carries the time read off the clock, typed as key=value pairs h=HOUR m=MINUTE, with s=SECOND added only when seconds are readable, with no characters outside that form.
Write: h=8 m=39
